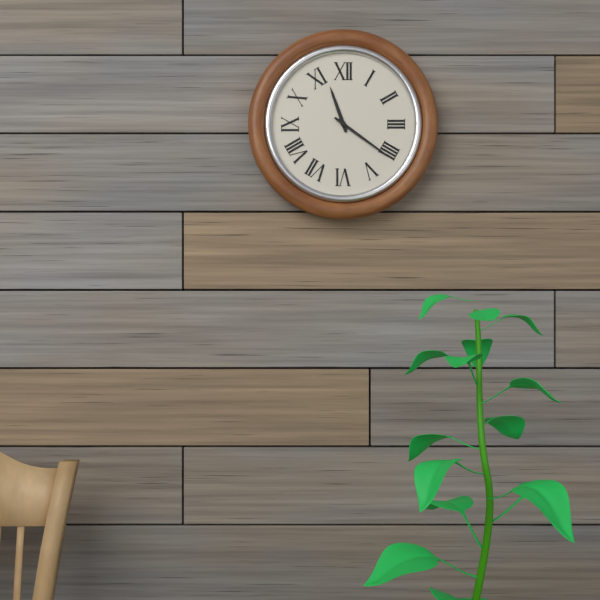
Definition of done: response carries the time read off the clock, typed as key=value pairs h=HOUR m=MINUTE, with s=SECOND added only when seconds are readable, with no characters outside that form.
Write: h=11 m=21
